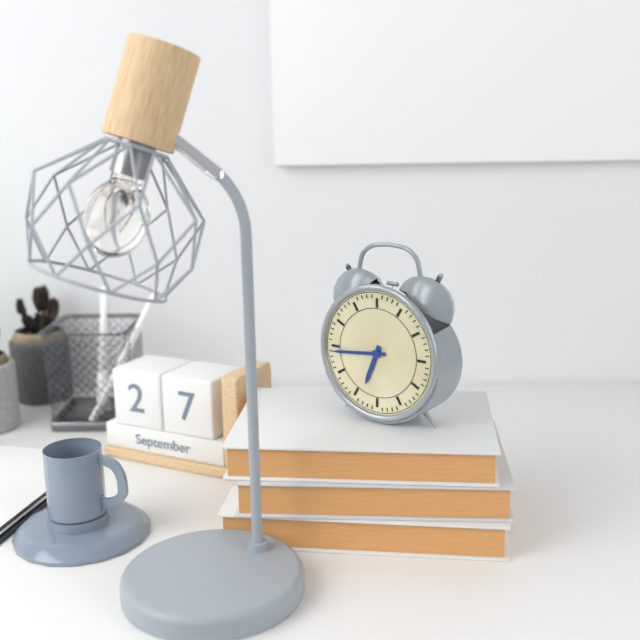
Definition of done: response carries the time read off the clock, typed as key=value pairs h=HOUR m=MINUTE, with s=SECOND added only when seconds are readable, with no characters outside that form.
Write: h=6 m=44
